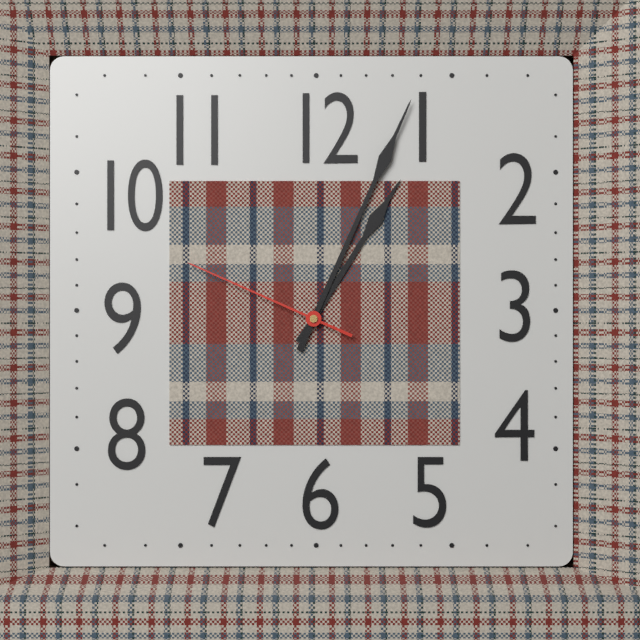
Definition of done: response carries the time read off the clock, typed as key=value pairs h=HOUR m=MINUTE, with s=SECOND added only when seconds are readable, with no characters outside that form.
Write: h=1 m=4 s=49
